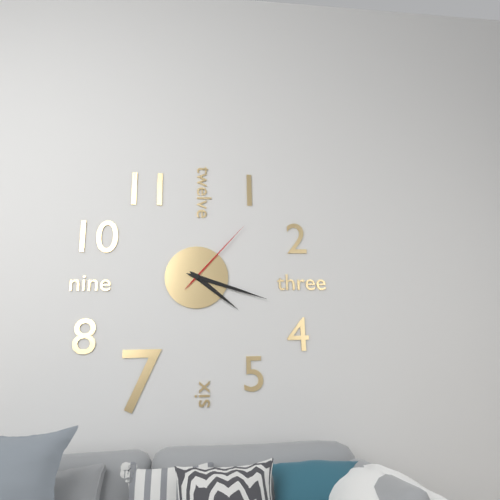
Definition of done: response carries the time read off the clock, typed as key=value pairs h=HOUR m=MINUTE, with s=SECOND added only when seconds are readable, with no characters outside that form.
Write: h=4 m=18 s=7
